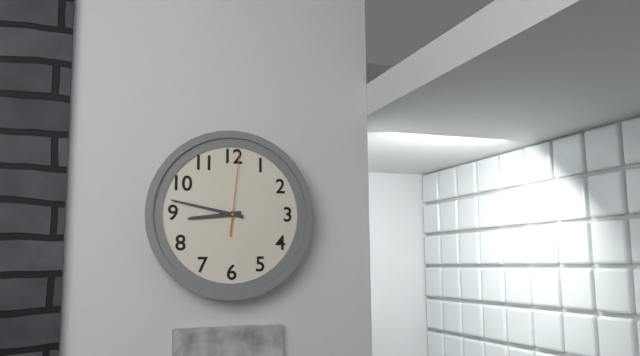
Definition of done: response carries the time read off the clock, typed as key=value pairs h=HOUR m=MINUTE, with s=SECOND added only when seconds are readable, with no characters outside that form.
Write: h=8 m=47 s=1
